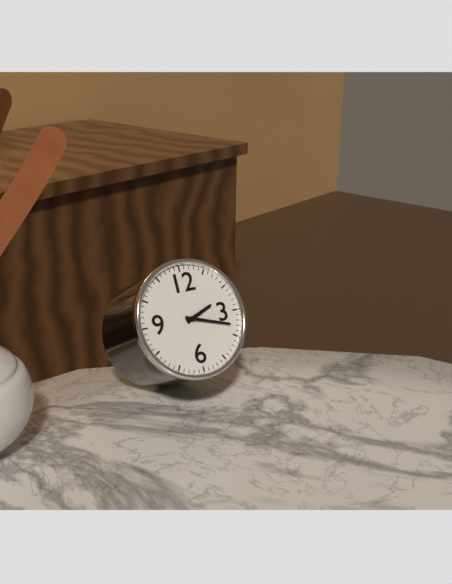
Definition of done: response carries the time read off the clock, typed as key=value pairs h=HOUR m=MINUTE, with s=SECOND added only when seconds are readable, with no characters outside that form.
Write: h=2 m=18
